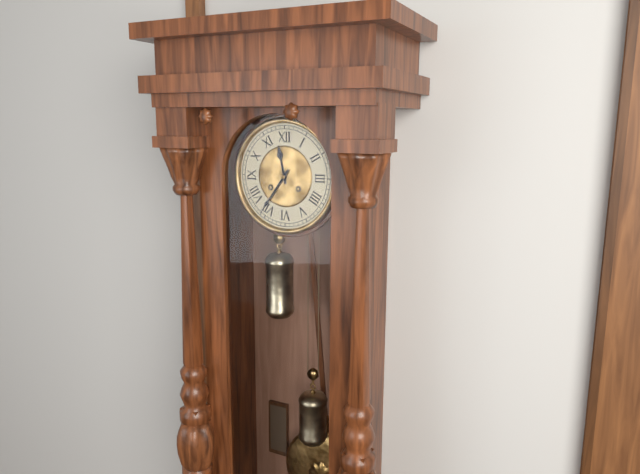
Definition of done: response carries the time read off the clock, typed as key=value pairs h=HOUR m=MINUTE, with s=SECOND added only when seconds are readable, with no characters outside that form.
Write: h=11 m=36
